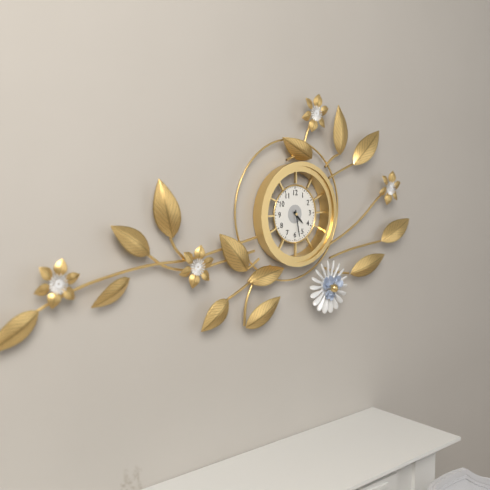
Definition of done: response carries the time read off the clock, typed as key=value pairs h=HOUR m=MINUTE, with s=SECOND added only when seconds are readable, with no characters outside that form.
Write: h=4 m=28
